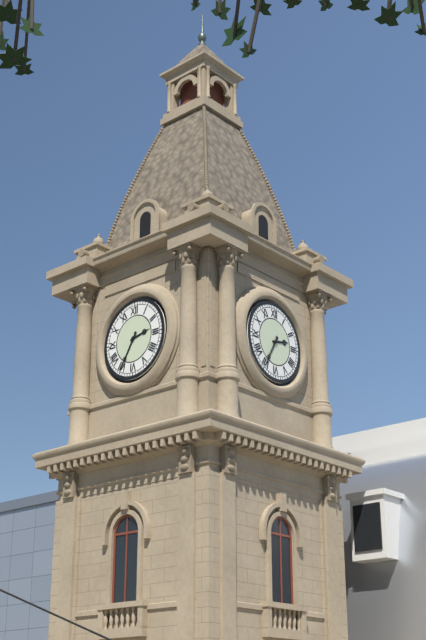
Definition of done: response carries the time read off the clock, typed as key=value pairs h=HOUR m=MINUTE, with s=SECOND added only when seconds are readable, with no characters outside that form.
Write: h=2 m=35
